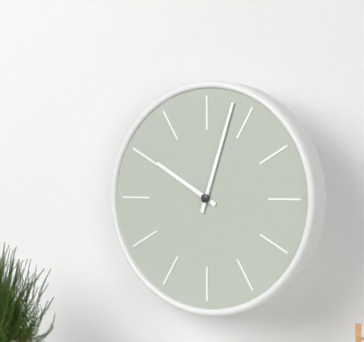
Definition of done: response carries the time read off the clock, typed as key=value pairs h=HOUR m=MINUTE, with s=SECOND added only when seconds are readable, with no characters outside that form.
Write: h=10 m=3
